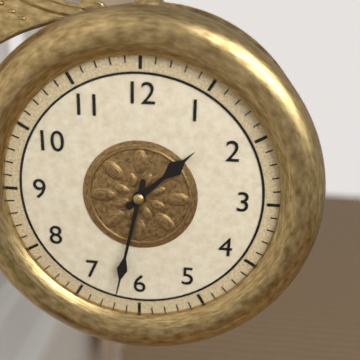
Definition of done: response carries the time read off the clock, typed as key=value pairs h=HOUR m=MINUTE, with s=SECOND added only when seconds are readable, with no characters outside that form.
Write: h=1 m=32
